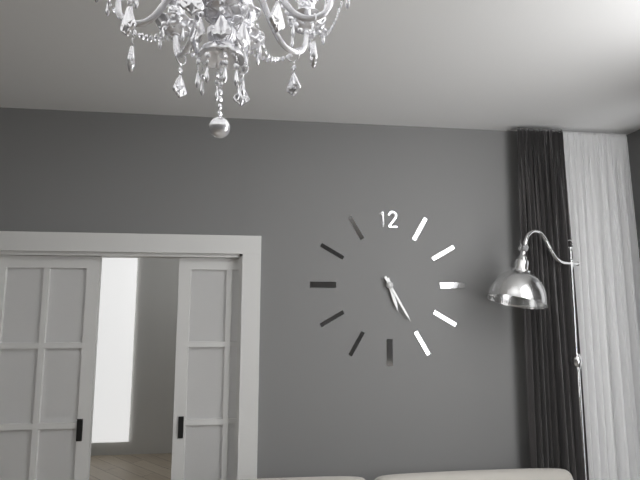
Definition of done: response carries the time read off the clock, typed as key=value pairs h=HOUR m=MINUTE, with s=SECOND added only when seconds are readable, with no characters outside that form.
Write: h=5 m=25
